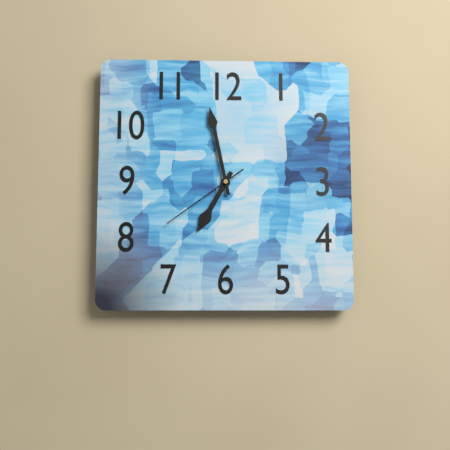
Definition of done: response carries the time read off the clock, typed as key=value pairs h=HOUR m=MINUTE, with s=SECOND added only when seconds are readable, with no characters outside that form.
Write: h=6 m=58 s=39
